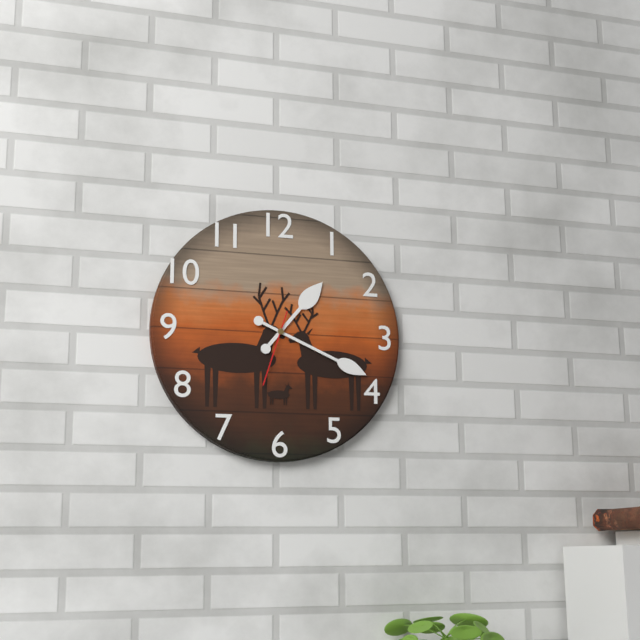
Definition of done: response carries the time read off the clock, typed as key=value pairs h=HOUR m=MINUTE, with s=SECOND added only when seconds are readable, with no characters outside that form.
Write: h=1 m=19 s=33
